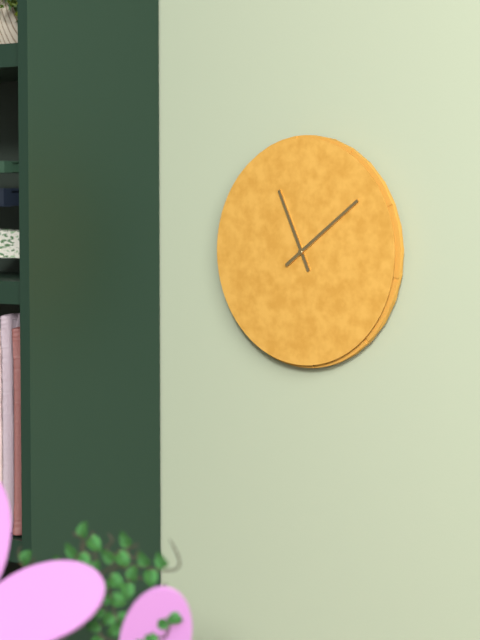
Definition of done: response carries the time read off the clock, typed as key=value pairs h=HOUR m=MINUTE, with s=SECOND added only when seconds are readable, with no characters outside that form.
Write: h=11 m=9
